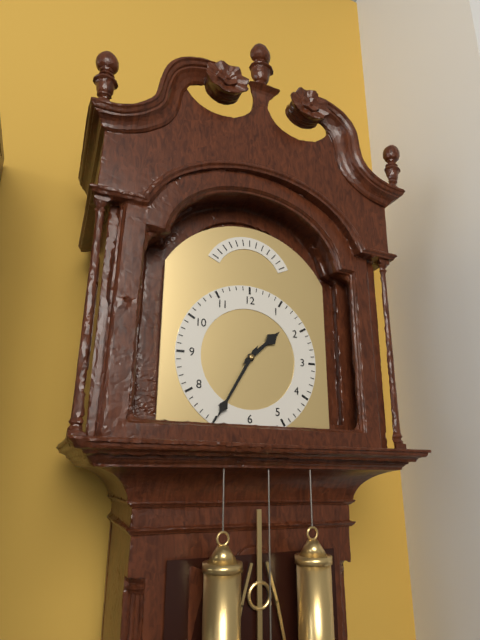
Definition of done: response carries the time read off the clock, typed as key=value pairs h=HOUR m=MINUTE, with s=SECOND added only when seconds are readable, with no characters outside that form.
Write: h=1 m=35
